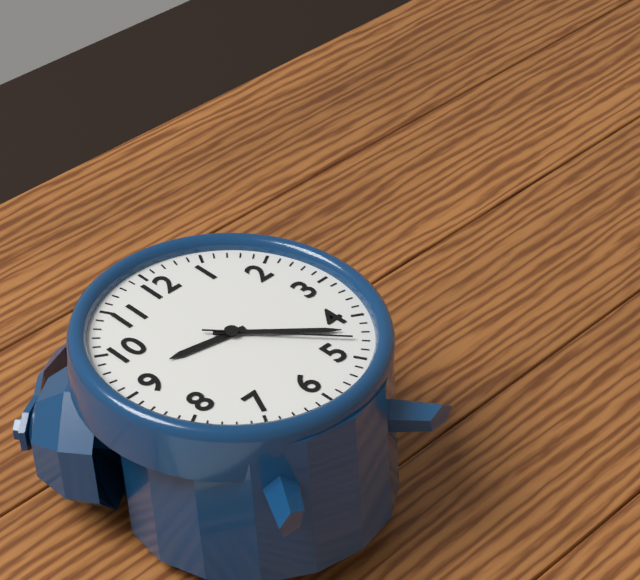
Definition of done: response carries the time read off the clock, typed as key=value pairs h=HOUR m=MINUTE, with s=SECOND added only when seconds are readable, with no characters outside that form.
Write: h=9 m=22 s=23
